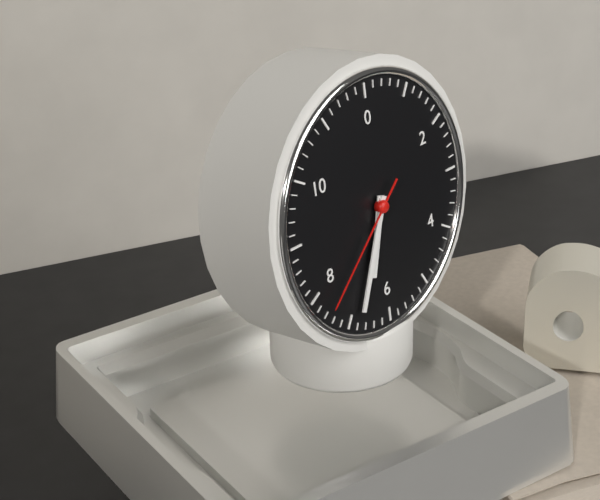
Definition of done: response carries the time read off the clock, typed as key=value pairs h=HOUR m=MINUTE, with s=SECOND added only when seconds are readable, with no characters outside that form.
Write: h=6 m=34 s=38
